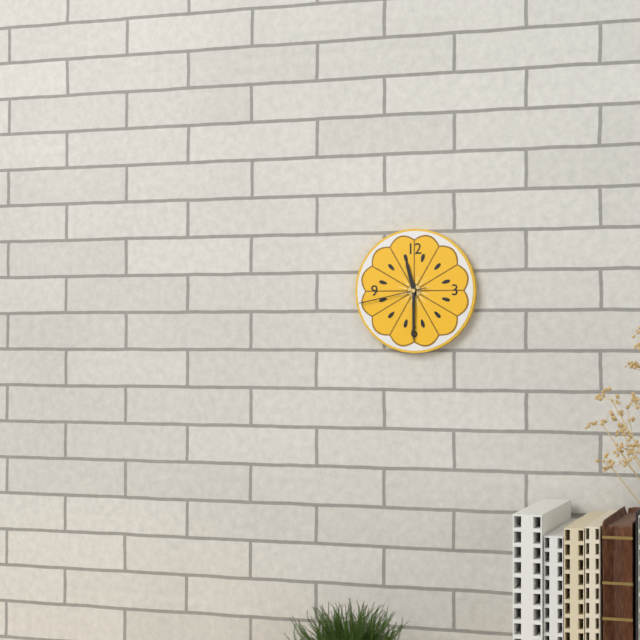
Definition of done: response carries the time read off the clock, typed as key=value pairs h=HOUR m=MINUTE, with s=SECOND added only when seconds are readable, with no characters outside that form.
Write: h=11 m=30 s=43
